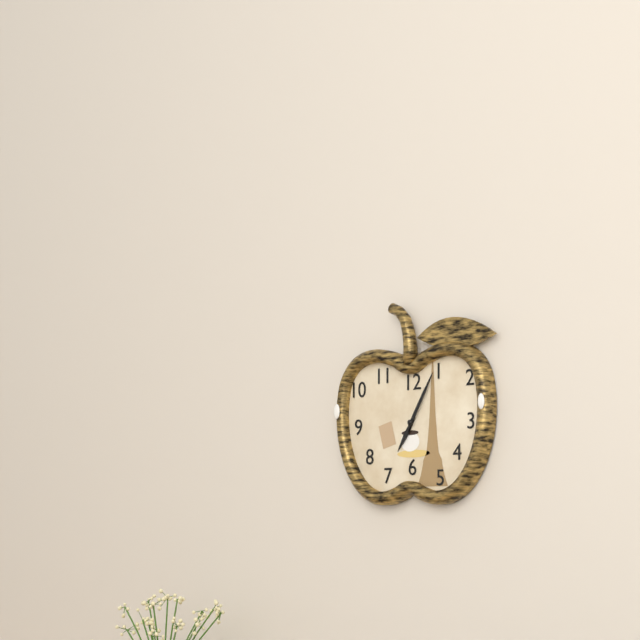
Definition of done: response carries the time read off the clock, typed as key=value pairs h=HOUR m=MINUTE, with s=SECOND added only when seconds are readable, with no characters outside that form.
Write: h=7 m=5
